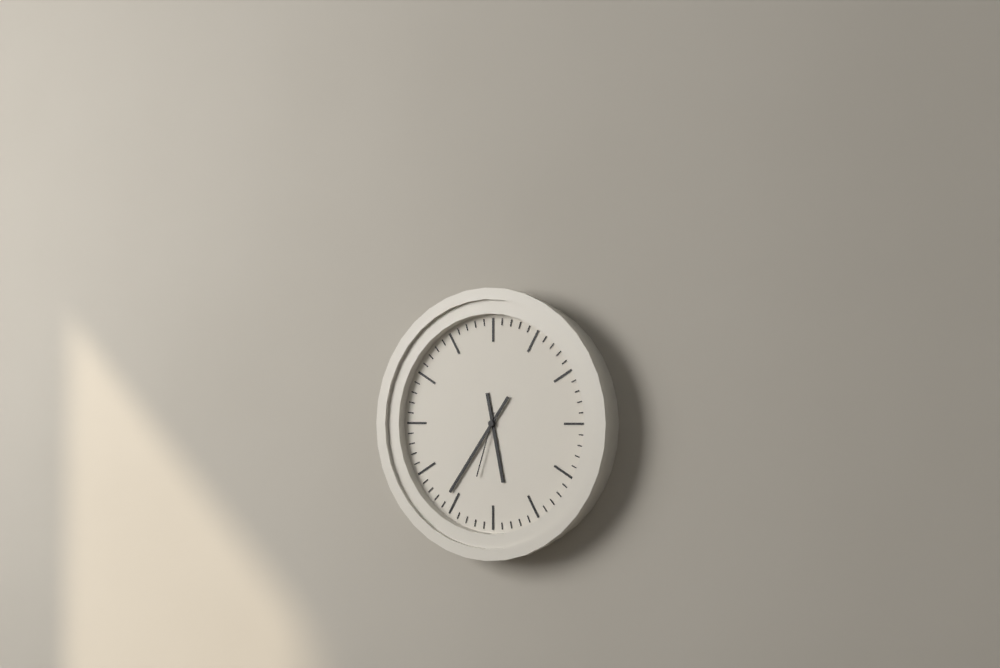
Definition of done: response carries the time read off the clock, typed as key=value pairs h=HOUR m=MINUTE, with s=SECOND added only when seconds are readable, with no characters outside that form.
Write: h=5 m=36 s=33
